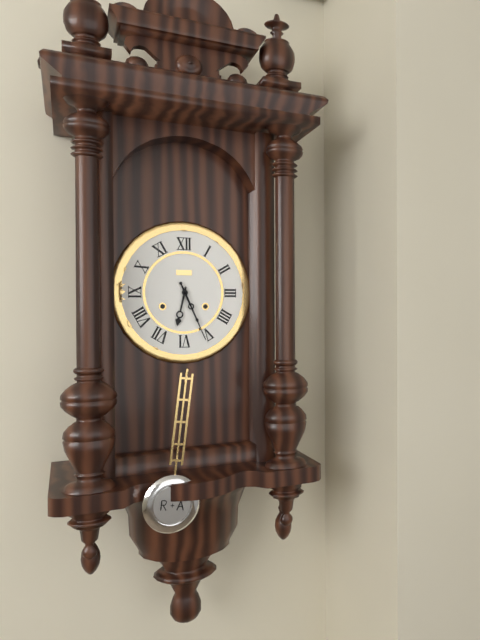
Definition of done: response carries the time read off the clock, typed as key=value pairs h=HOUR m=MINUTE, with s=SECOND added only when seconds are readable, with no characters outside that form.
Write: h=6 m=26
